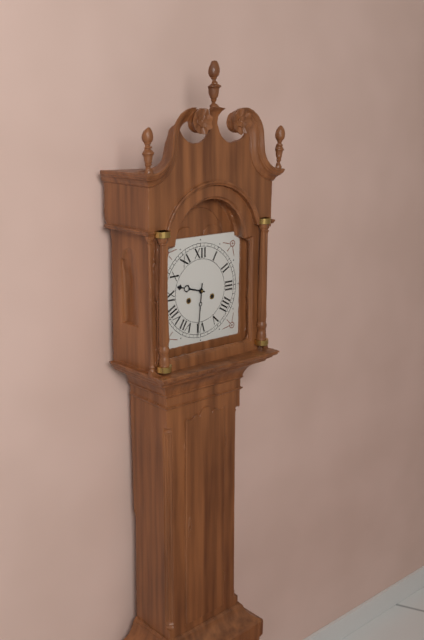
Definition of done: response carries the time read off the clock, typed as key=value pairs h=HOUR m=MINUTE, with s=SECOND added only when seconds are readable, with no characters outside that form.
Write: h=9 m=31
